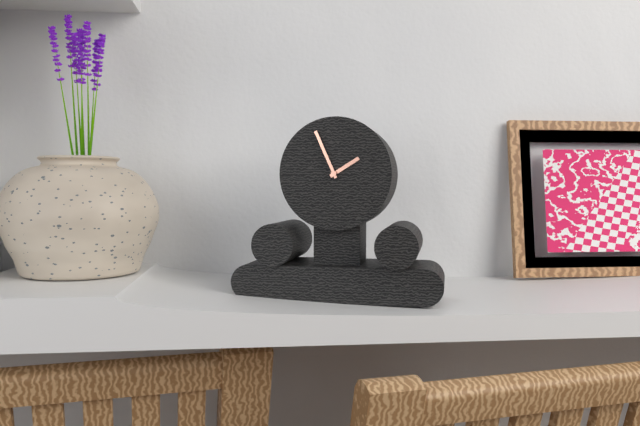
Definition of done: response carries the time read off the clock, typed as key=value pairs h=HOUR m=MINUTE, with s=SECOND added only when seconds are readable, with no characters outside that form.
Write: h=1 m=56
